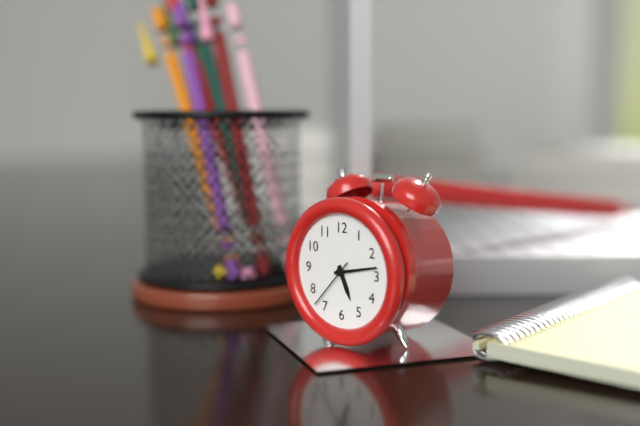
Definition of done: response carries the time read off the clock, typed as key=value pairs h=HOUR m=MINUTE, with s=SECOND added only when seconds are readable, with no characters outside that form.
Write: h=5 m=13 s=37
